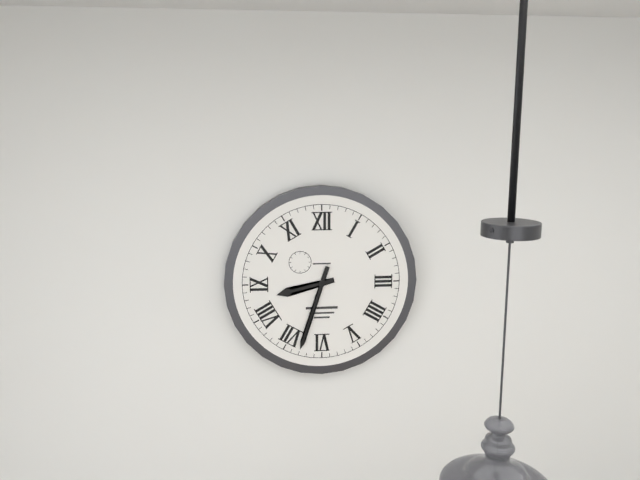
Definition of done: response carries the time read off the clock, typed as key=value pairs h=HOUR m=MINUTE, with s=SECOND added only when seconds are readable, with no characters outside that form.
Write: h=8 m=33
